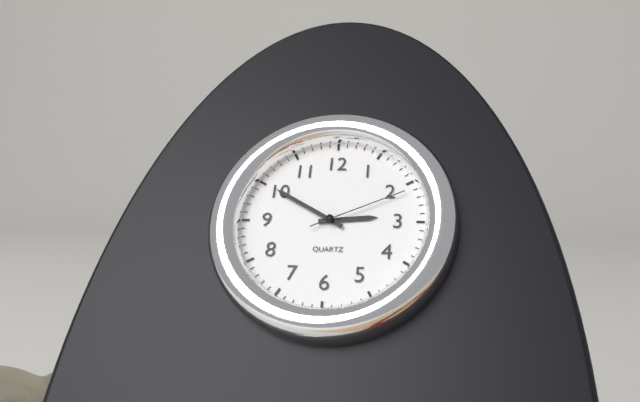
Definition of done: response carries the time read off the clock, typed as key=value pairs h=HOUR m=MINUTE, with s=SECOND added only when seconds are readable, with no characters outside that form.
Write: h=2 m=50 s=11
